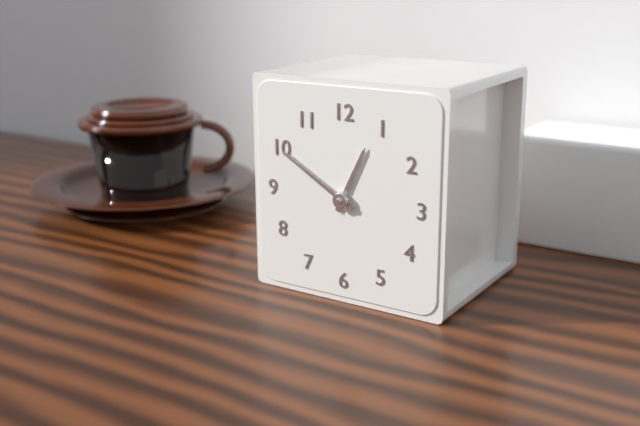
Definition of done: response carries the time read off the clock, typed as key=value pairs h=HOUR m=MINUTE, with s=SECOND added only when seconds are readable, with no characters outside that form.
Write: h=12 m=50
